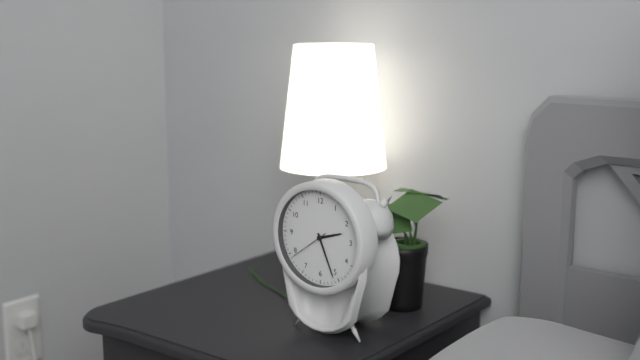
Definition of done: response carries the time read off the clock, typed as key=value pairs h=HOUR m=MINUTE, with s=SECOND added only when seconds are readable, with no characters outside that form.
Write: h=2 m=26
